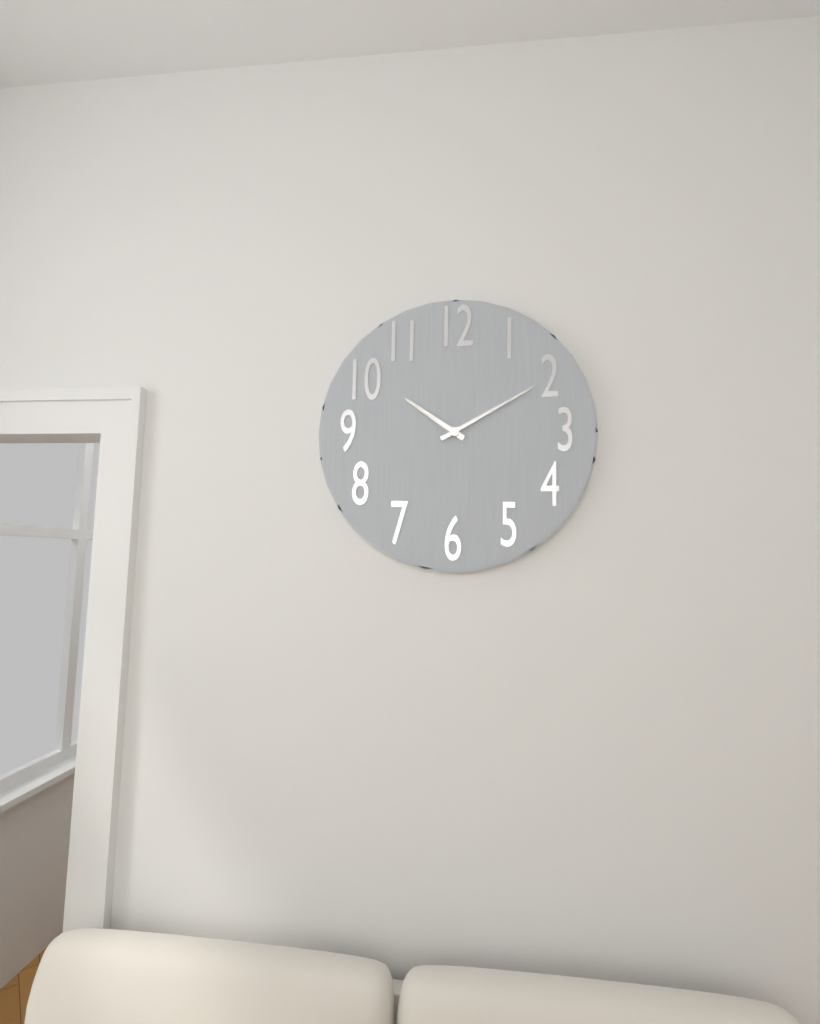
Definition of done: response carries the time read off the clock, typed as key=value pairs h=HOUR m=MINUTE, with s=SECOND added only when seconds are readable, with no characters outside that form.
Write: h=10 m=10
